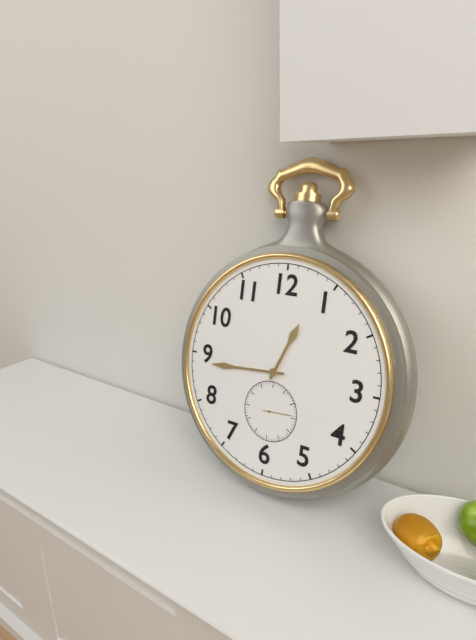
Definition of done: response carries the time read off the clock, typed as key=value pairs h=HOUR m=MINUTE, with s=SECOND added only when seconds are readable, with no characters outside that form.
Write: h=12 m=44
